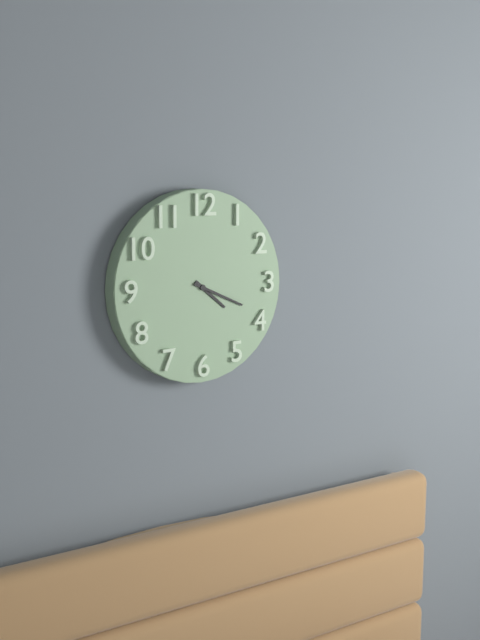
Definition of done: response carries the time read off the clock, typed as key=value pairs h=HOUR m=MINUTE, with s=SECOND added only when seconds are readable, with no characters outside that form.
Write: h=4 m=19
